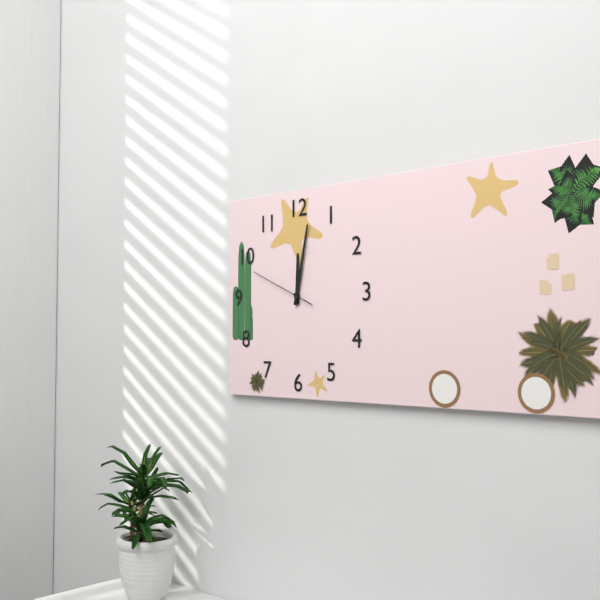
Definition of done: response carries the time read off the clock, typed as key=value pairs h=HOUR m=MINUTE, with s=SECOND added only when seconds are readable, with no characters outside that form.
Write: h=12 m=2 s=49
